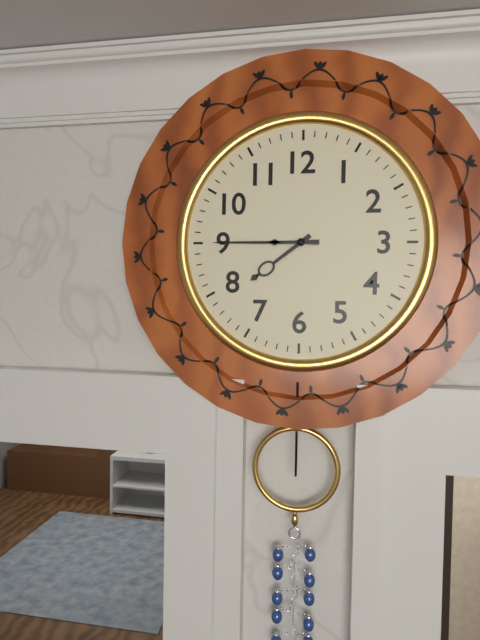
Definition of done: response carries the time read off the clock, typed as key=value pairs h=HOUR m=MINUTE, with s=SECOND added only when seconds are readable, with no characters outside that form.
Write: h=7 m=45
